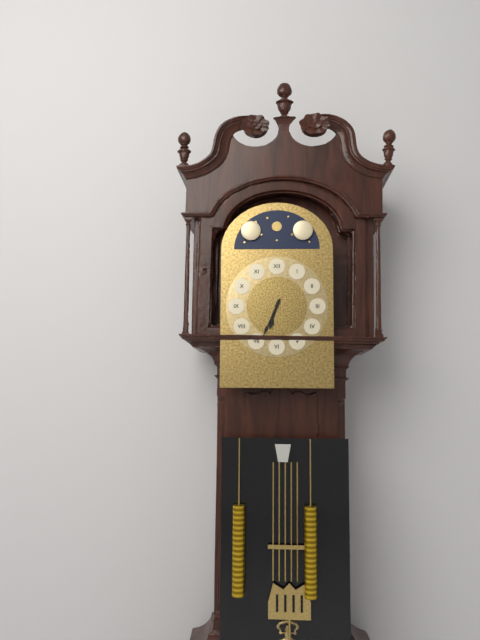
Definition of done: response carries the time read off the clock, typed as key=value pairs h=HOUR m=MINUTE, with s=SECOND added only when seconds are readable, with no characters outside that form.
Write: h=6 m=34
